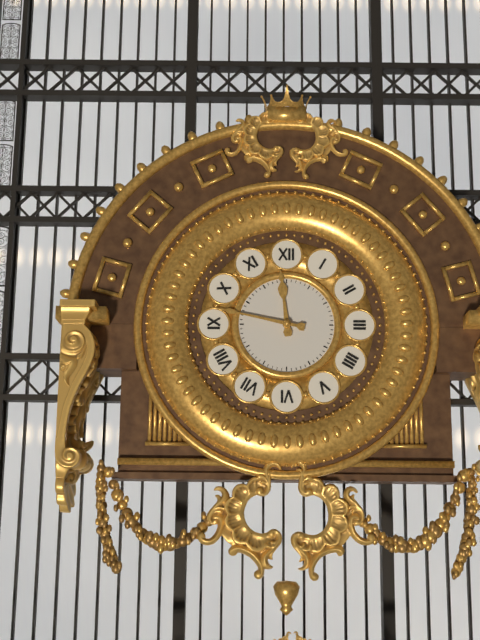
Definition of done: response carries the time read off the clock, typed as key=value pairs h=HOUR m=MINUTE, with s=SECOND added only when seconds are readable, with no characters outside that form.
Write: h=11 m=47
